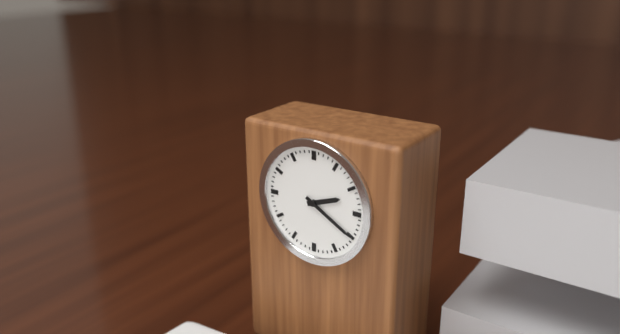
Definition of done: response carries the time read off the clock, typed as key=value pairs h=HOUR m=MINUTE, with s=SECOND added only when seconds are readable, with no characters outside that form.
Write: h=2 m=20
